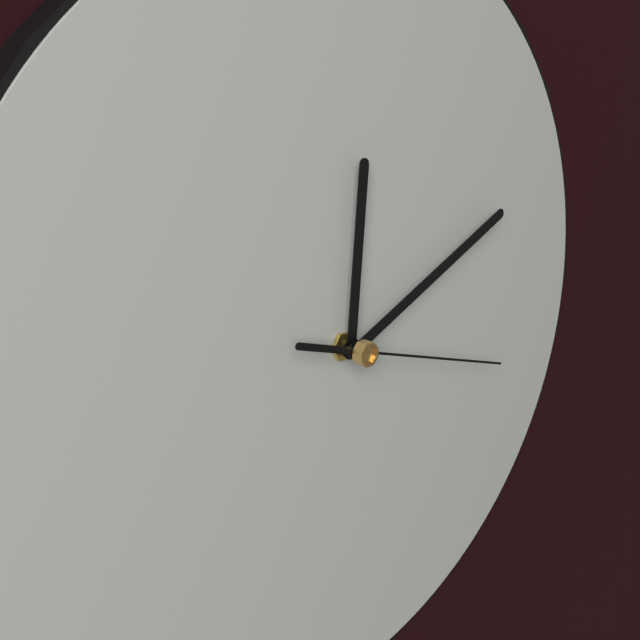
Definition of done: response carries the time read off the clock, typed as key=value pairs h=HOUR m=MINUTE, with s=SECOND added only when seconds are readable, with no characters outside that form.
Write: h=12 m=11 s=18
